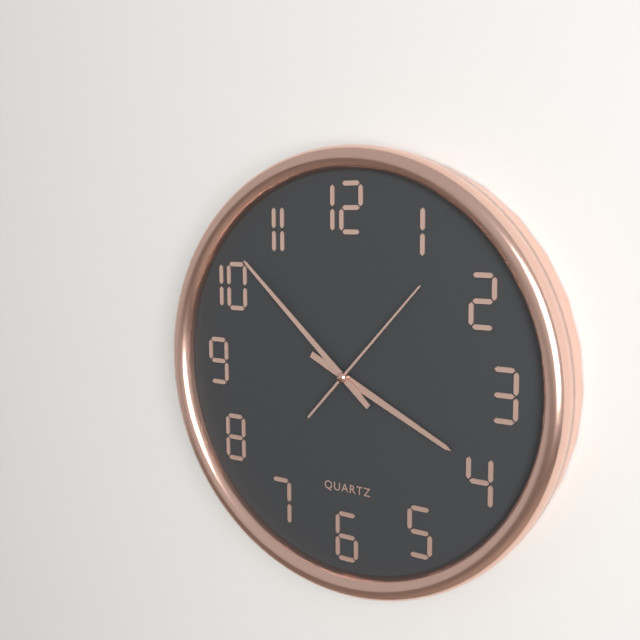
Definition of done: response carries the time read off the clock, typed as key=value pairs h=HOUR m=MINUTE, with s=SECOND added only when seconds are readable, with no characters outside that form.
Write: h=3 m=52 s=7
